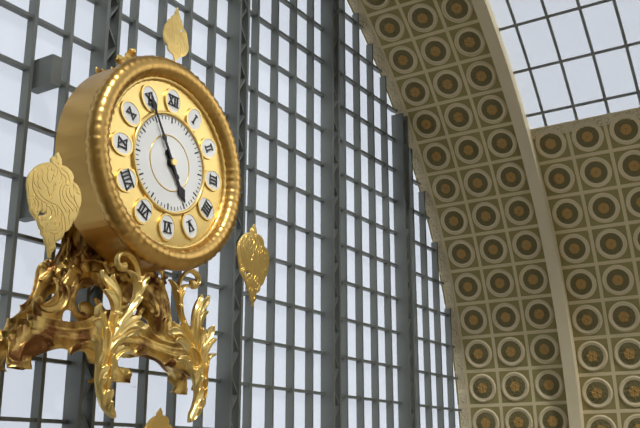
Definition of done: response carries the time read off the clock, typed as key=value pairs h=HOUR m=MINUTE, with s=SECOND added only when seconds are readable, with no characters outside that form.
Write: h=4 m=55
